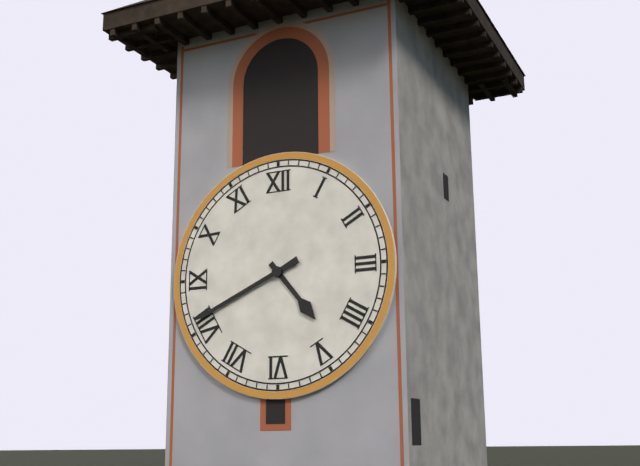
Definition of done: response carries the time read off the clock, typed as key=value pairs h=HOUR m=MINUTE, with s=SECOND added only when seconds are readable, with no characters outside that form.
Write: h=4 m=41
